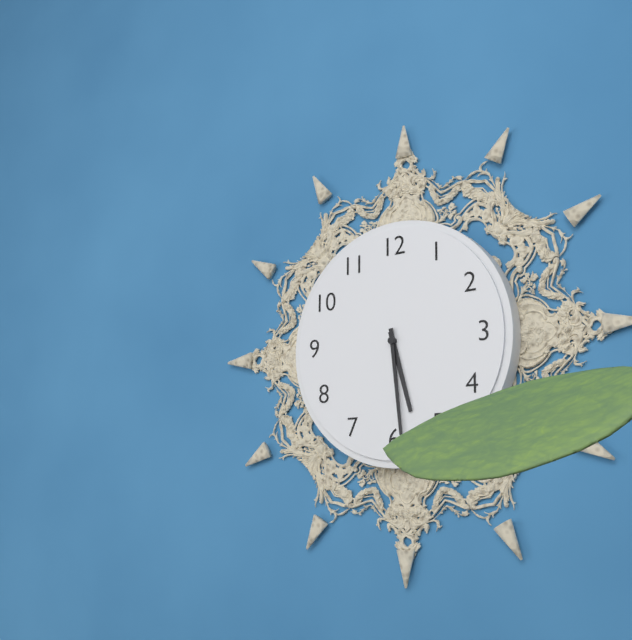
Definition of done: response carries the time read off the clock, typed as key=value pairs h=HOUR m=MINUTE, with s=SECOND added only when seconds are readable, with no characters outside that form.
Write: h=5 m=29
